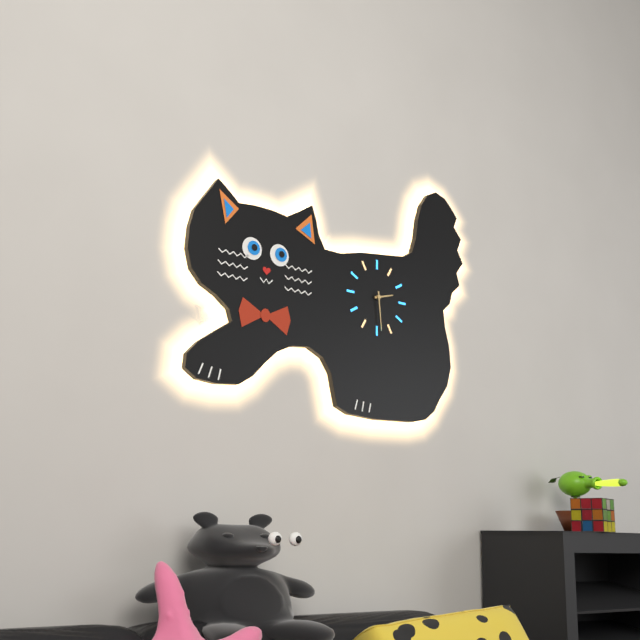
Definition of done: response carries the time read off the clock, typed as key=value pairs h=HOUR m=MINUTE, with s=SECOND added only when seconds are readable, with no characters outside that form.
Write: h=2 m=29
